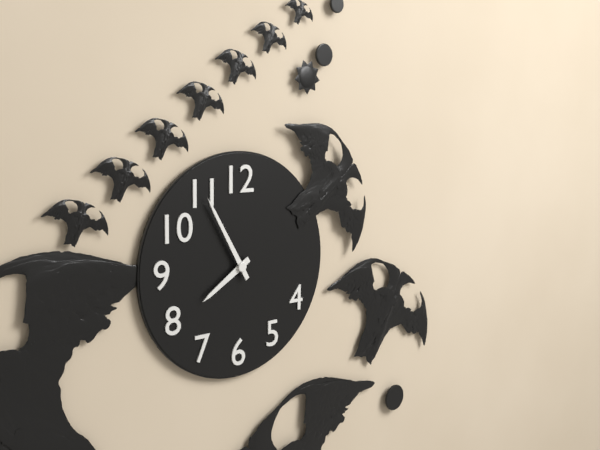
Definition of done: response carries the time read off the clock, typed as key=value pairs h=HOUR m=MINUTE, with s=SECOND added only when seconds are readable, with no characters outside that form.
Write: h=7 m=55
